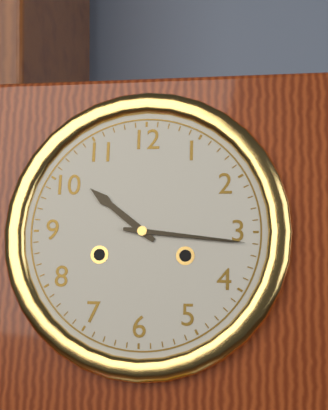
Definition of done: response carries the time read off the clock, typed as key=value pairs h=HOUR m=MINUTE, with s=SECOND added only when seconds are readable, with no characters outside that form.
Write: h=10 m=16
